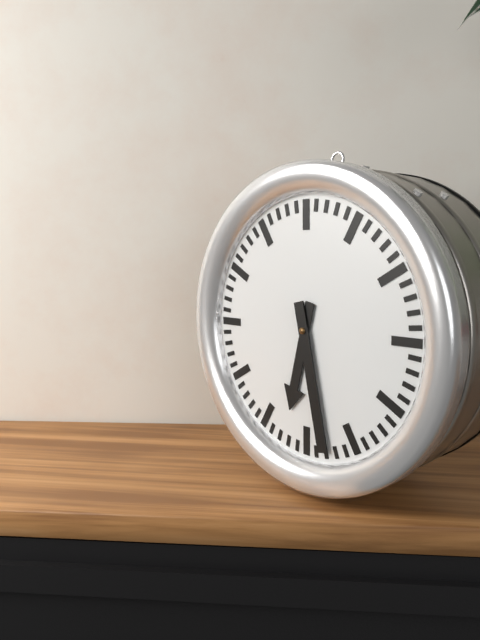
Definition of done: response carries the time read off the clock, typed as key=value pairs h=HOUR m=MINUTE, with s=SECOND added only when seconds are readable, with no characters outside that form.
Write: h=6 m=28
